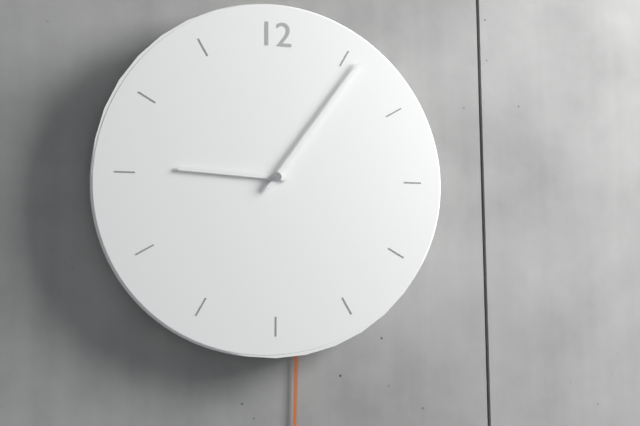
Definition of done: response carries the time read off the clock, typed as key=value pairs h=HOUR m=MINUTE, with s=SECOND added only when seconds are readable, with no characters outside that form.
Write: h=9 m=6
